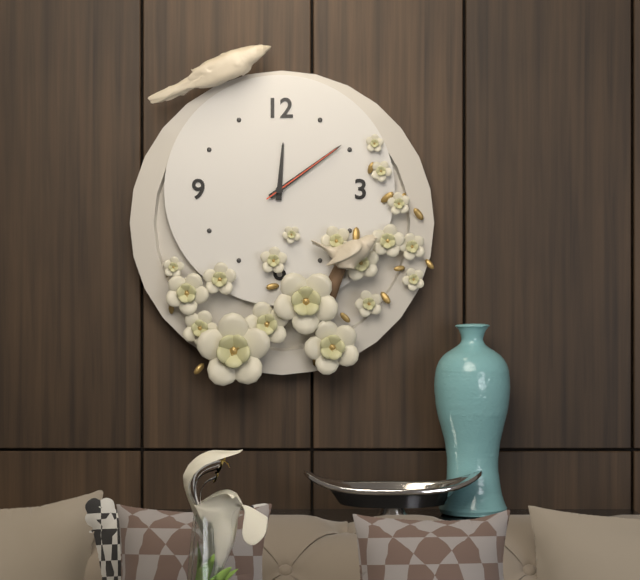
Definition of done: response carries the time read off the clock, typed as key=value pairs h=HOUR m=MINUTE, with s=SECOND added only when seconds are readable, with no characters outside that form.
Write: h=12 m=9 s=9
